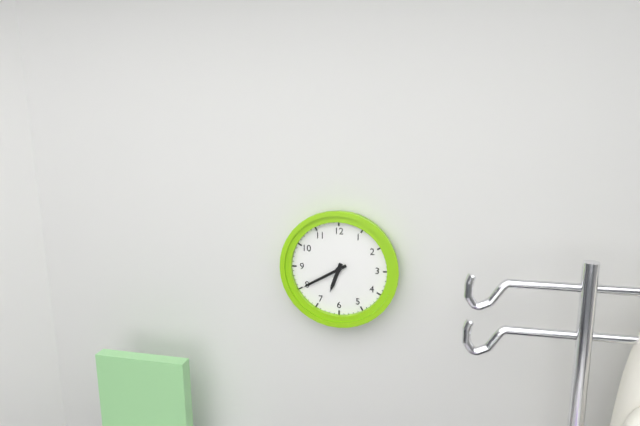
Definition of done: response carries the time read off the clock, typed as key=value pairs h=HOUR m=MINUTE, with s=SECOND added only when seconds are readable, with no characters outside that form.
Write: h=6 m=40
